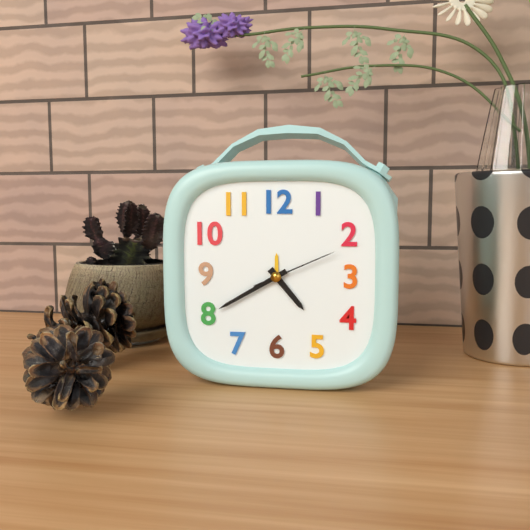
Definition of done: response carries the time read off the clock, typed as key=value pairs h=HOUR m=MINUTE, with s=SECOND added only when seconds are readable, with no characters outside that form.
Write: h=4 m=40 s=11
